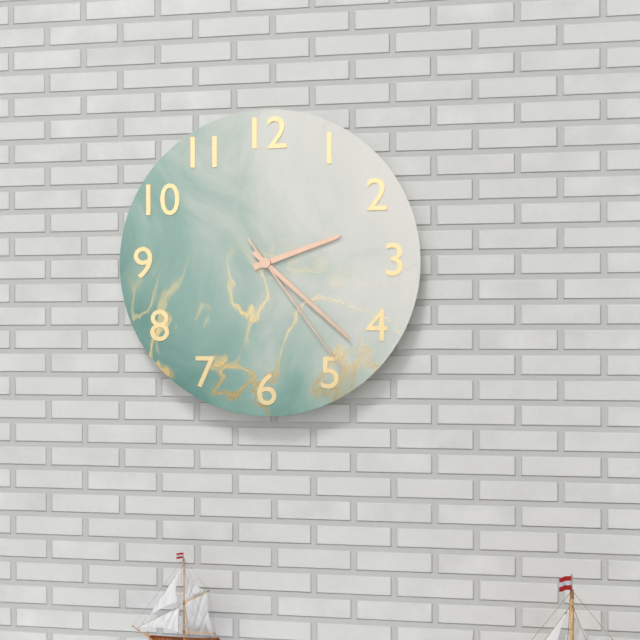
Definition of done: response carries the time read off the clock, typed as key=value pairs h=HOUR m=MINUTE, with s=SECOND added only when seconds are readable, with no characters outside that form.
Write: h=2 m=22 s=24
